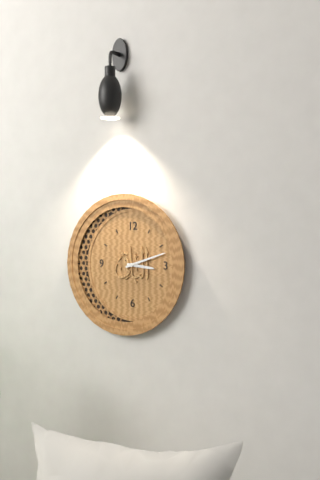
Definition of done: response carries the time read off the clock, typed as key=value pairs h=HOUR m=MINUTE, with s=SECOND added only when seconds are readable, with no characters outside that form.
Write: h=3 m=12
